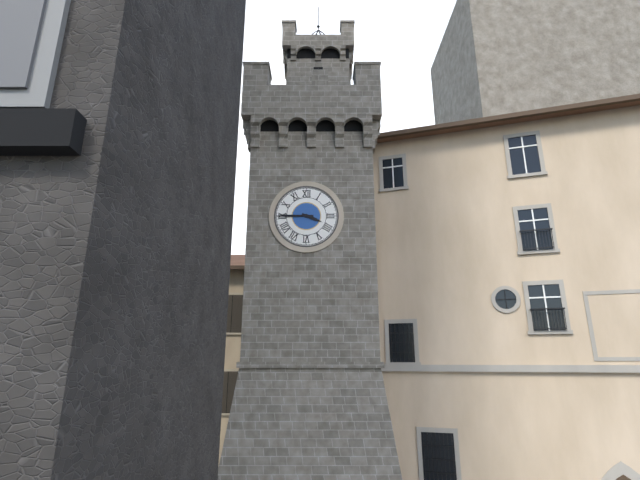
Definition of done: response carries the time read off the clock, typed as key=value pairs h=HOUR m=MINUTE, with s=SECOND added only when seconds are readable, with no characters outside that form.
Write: h=3 m=45
